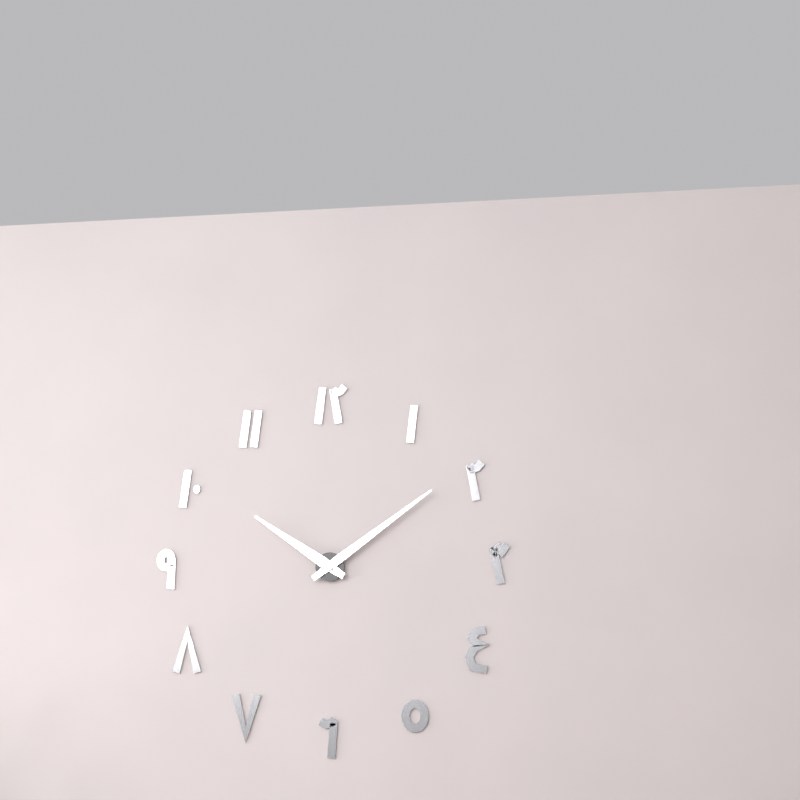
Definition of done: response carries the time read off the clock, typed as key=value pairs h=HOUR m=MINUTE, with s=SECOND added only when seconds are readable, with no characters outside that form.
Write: h=10 m=9
